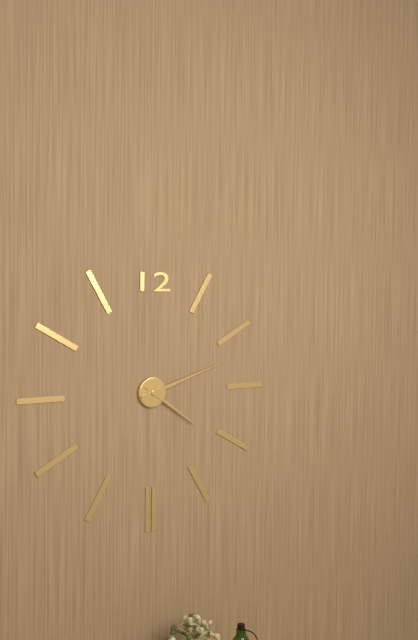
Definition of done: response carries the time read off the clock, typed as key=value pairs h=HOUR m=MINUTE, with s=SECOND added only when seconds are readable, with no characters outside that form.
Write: h=4 m=12
